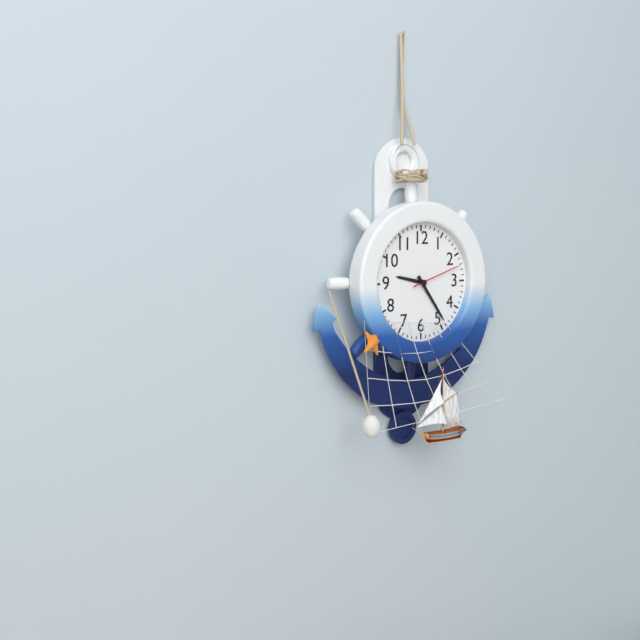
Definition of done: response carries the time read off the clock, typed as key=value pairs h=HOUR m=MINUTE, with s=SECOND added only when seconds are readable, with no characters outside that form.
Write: h=9 m=24 s=12
